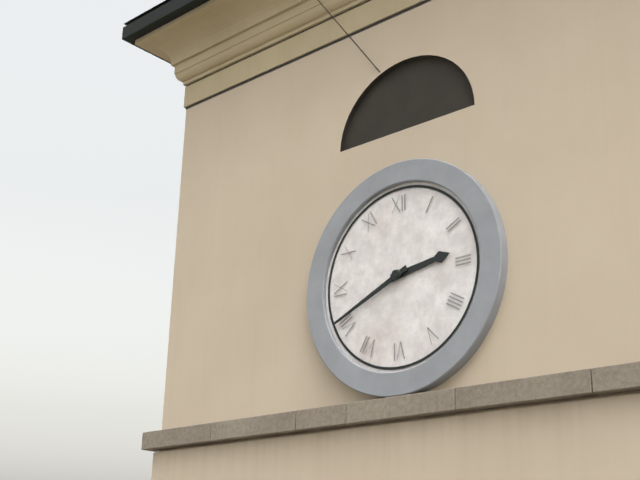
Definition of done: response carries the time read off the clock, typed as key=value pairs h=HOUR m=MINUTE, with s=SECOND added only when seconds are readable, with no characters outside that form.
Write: h=2 m=41
